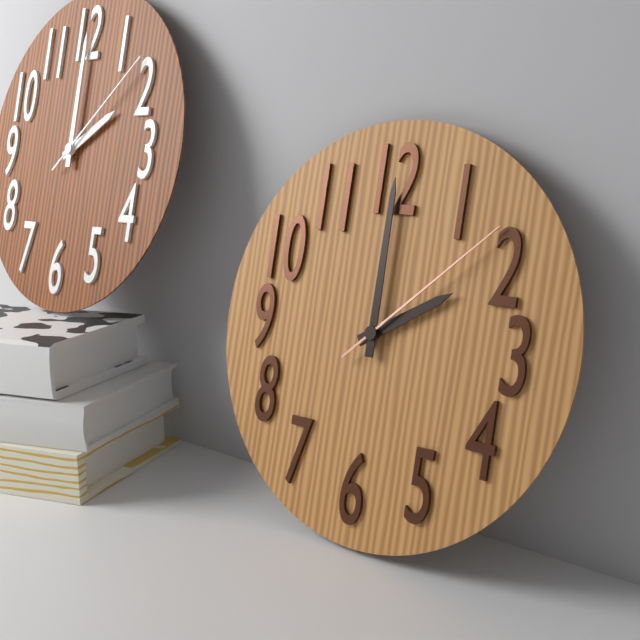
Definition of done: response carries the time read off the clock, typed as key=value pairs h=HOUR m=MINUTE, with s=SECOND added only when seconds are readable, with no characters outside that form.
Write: h=2 m=0 s=8
